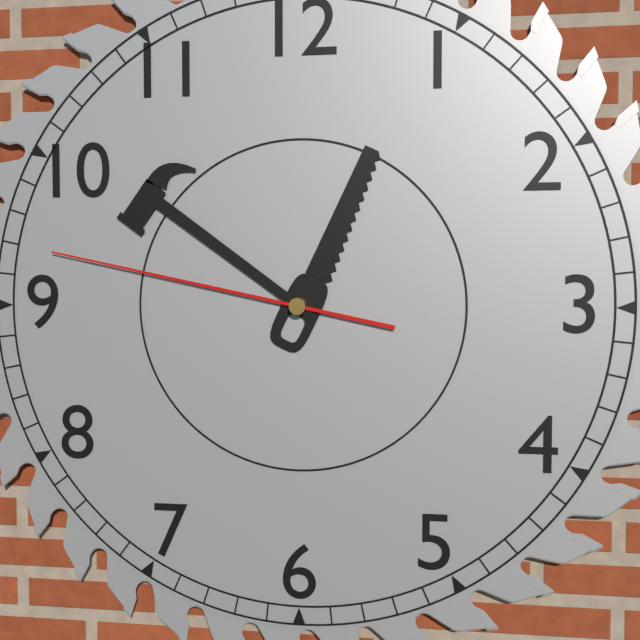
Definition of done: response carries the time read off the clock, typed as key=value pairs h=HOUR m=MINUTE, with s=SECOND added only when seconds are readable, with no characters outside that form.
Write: h=12 m=51 s=47
